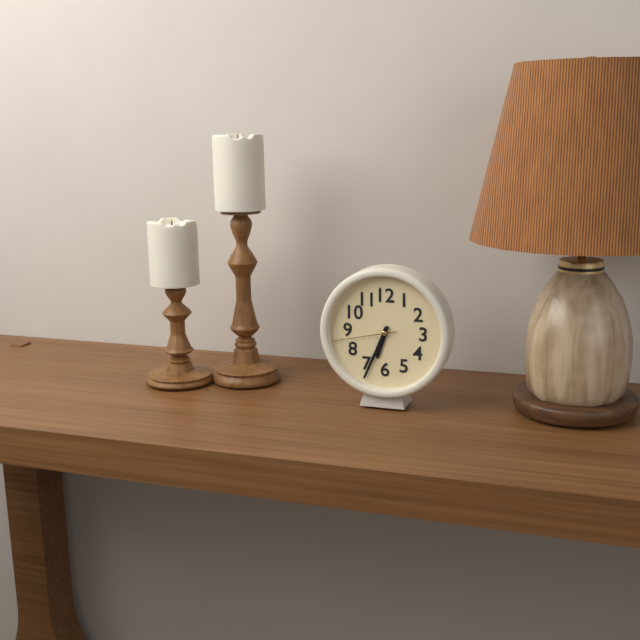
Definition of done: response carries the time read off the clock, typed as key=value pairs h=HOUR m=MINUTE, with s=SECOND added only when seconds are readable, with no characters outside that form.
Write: h=6 m=34 s=43
